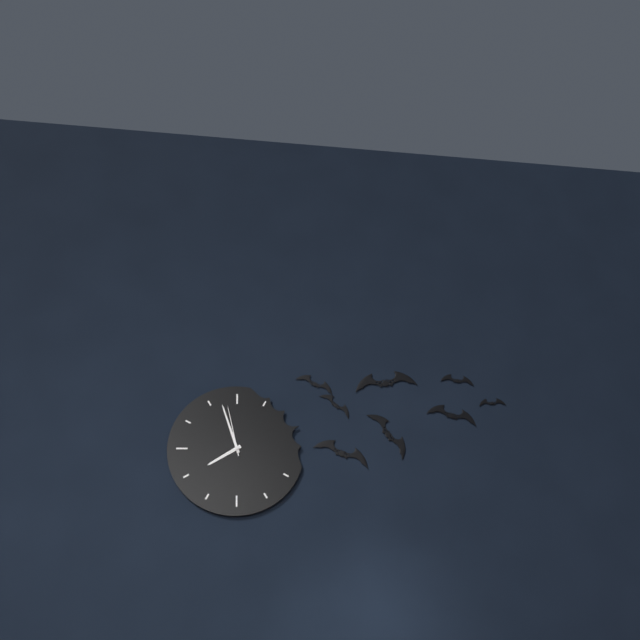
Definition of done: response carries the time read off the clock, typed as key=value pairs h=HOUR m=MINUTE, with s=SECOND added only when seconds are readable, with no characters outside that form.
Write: h=7 m=57 s=58
